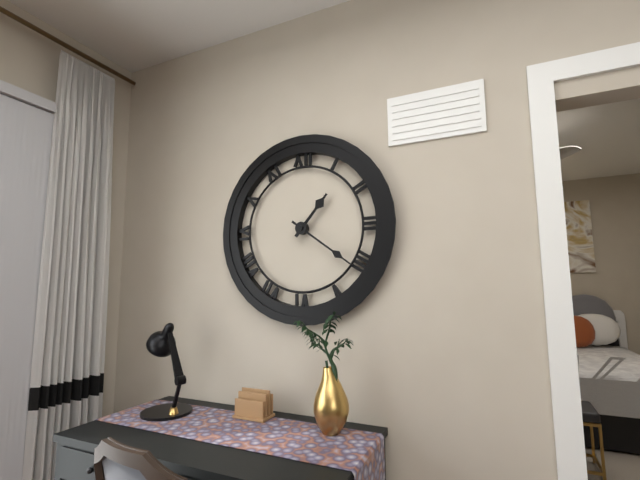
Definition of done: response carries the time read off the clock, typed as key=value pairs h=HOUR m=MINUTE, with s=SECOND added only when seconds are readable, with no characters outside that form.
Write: h=1 m=21
